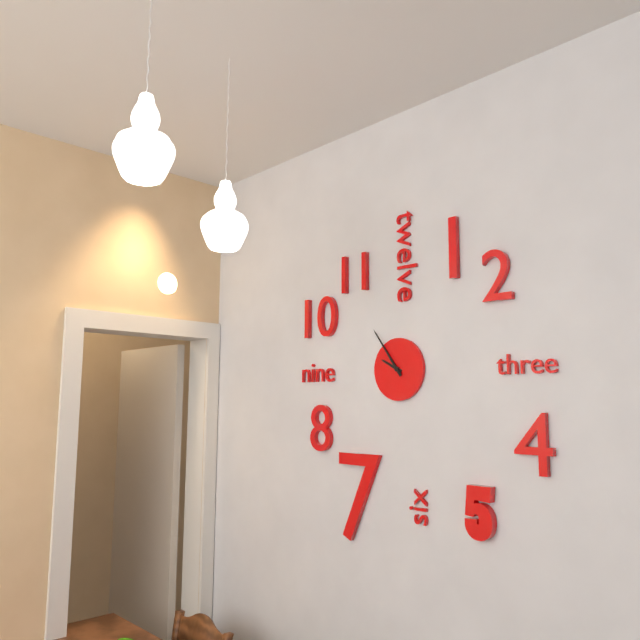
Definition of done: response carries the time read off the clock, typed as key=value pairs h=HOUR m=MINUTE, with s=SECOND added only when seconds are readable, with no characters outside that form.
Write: h=9 m=54
